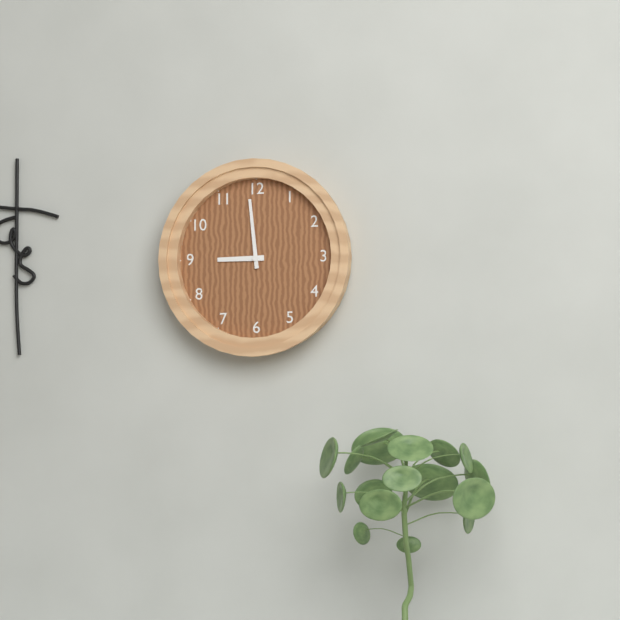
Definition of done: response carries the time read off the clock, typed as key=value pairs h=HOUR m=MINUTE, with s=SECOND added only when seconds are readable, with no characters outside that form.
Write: h=8 m=59
